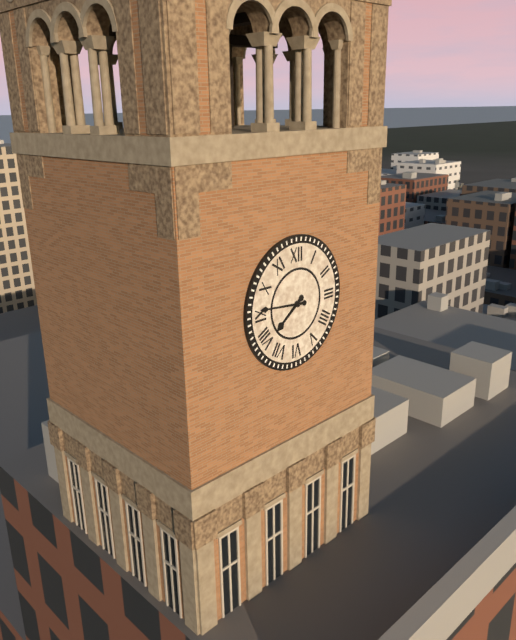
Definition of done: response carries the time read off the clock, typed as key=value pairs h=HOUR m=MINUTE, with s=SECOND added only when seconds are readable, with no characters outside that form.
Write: h=7 m=46
